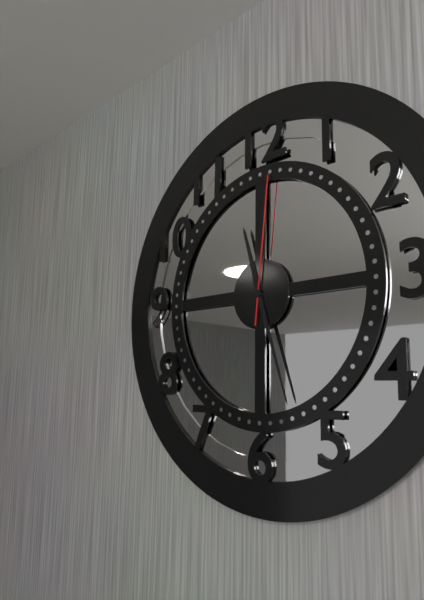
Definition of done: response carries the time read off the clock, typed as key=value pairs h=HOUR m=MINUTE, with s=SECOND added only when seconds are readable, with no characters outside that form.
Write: h=11 m=27 s=1
